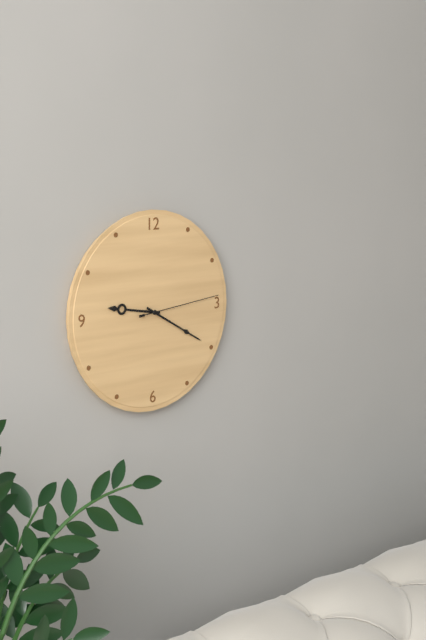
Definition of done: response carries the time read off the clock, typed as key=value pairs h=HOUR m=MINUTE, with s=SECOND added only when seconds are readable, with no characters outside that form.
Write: h=9 m=20 s=14
